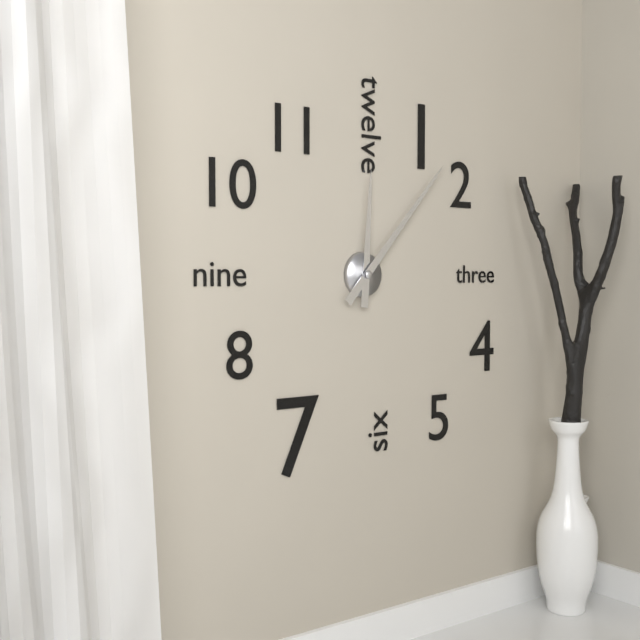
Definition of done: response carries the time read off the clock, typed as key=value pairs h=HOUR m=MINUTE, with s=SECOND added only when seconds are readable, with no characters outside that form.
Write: h=12 m=7
